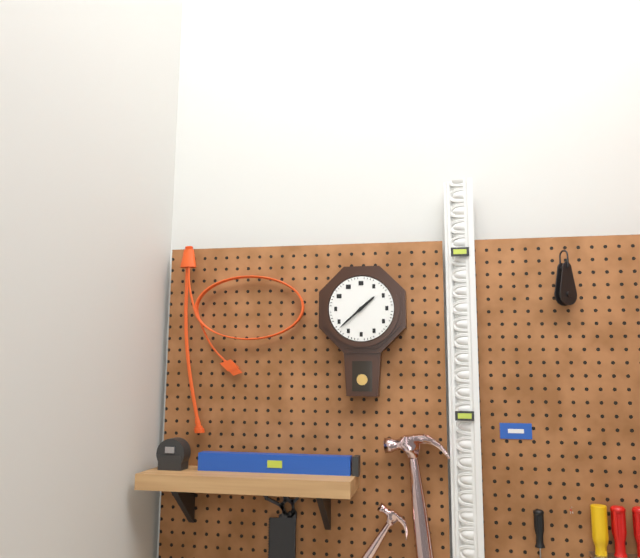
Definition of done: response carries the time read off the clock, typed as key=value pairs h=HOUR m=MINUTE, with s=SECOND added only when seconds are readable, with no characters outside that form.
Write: h=1 m=38
